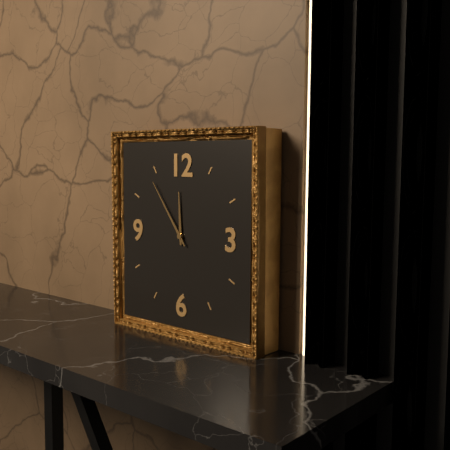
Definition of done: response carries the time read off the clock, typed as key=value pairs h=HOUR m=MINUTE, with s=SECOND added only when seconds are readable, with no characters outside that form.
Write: h=11 m=54
